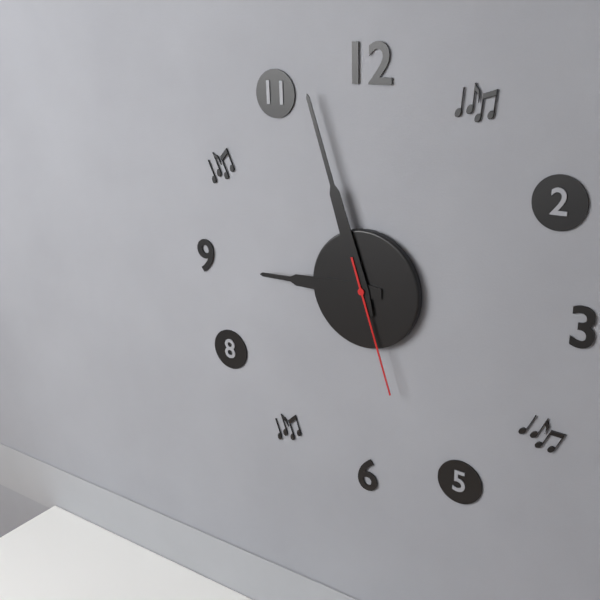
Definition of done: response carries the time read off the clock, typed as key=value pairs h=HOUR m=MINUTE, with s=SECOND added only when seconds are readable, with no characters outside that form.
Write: h=8 m=57 s=27
